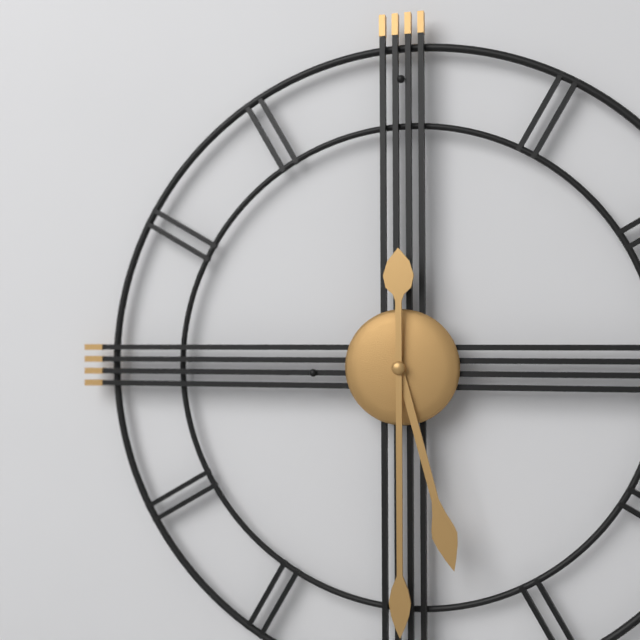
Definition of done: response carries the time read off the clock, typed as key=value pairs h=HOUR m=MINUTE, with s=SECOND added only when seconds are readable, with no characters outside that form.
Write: h=5 m=30
